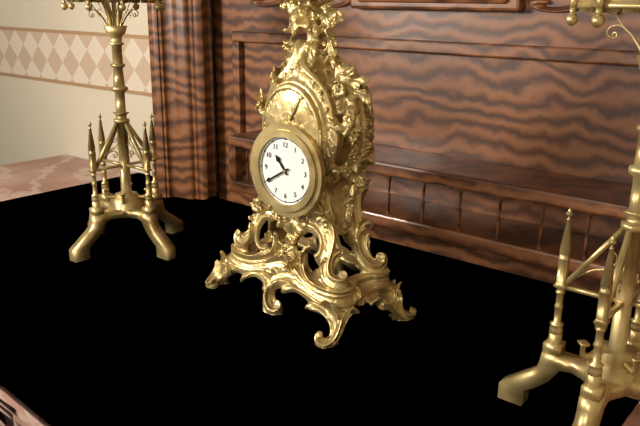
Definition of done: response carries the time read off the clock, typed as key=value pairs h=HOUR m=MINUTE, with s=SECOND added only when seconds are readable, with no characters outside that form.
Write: h=10 m=40
